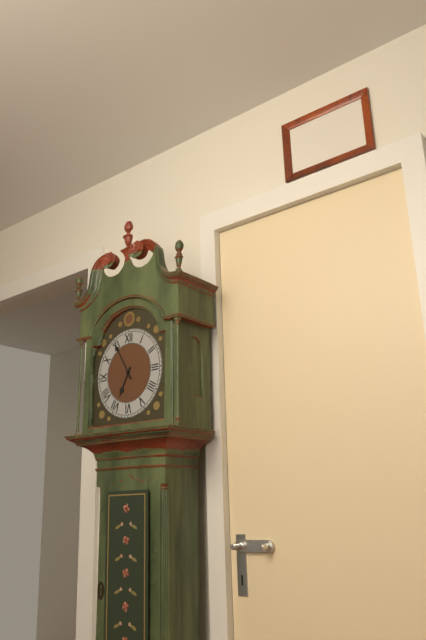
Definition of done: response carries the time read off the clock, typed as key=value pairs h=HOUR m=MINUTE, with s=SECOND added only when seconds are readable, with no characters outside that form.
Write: h=6 m=55
